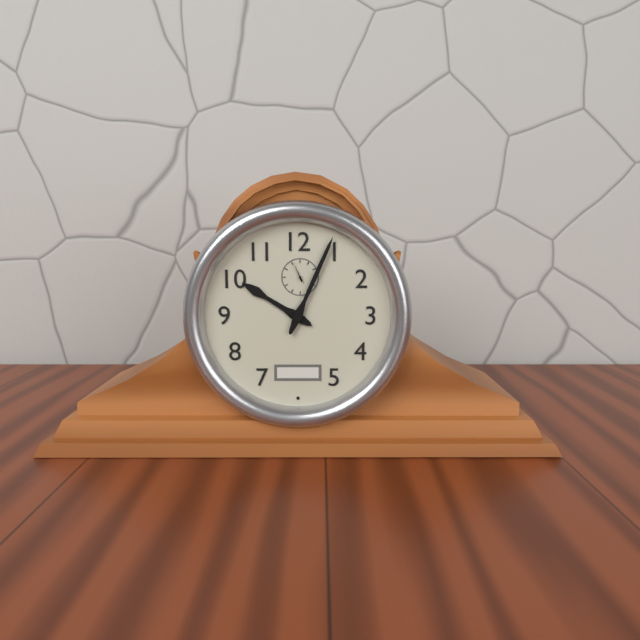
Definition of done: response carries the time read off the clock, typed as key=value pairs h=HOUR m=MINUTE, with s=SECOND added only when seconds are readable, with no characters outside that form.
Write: h=10 m=4
